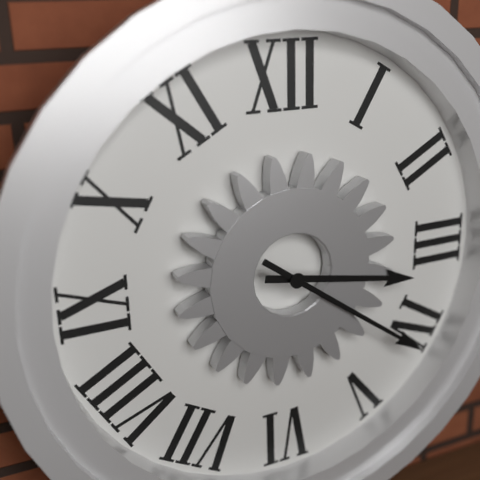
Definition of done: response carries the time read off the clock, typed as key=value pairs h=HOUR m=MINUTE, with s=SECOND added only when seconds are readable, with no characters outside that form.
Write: h=3 m=21
